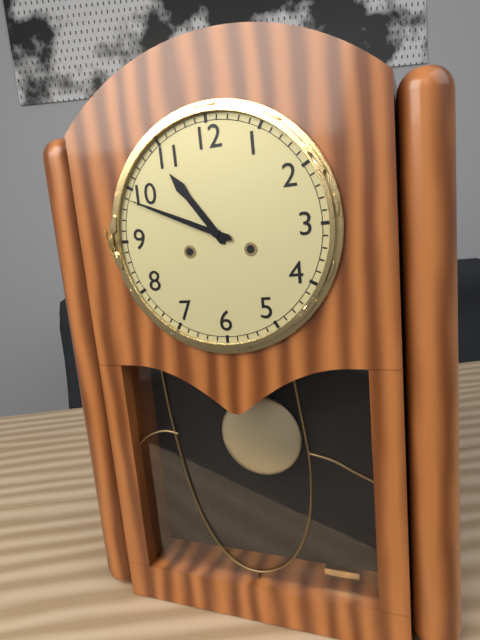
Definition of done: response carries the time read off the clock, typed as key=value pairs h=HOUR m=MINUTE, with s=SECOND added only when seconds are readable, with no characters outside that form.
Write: h=10 m=49
